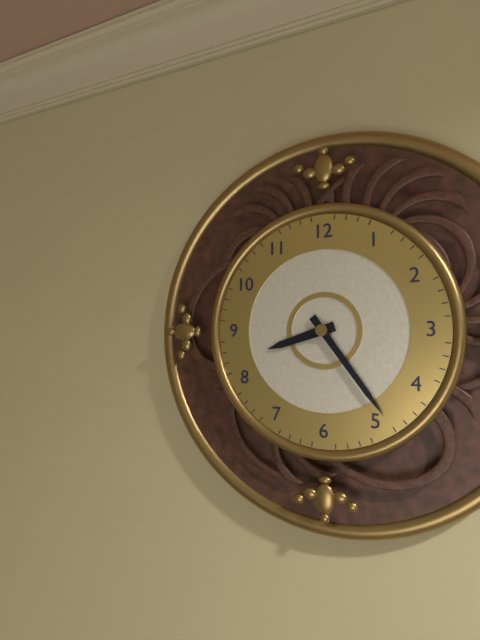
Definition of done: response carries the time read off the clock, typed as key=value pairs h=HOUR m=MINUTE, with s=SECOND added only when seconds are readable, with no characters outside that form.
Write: h=8 m=24
